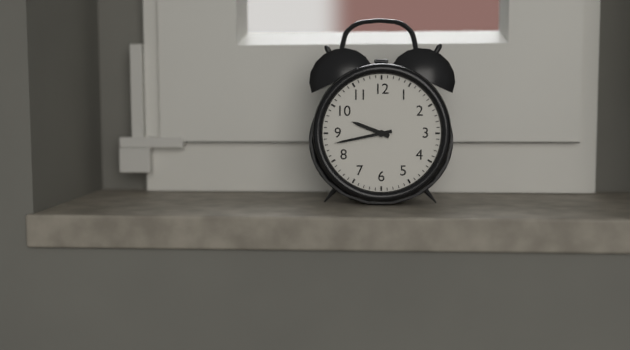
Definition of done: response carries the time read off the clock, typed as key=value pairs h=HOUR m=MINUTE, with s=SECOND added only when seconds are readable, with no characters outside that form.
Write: h=9 m=43
